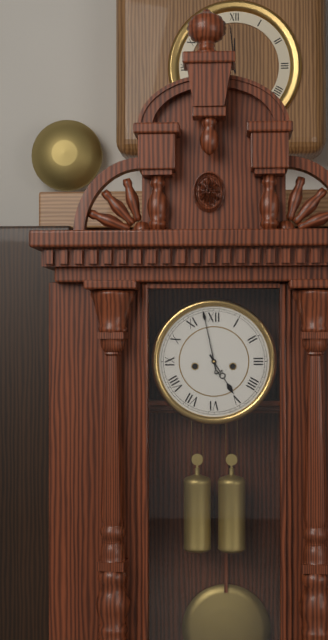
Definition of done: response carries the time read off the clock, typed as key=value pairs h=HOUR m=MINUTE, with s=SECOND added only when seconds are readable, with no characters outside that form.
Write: h=4 m=58
